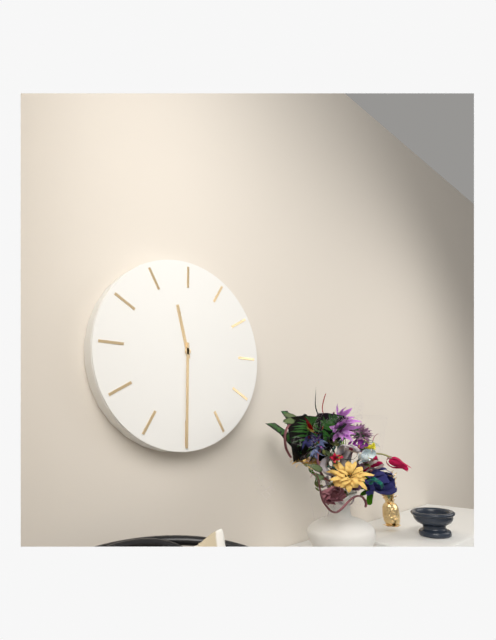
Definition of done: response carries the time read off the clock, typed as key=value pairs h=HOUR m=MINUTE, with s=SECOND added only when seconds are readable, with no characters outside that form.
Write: h=11 m=30
